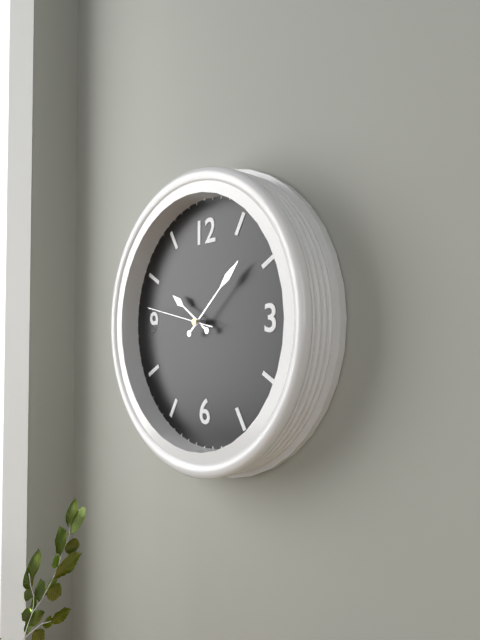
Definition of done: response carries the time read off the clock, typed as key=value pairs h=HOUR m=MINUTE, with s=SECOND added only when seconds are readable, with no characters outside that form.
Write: h=10 m=8 s=47
